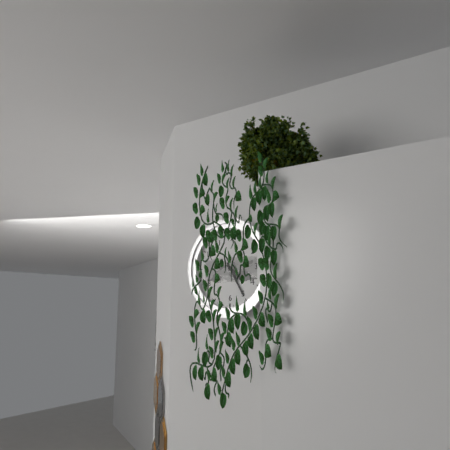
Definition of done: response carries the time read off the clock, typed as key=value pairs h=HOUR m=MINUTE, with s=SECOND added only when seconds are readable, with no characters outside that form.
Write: h=4 m=25
